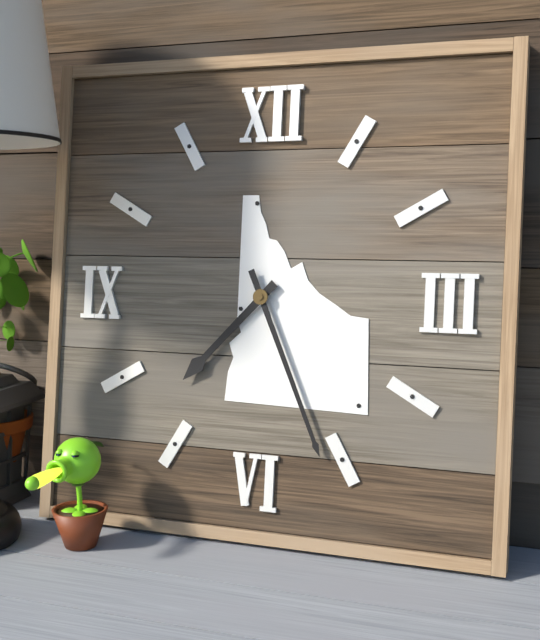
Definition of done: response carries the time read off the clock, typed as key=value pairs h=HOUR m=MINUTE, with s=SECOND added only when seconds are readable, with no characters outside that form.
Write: h=7 m=26
